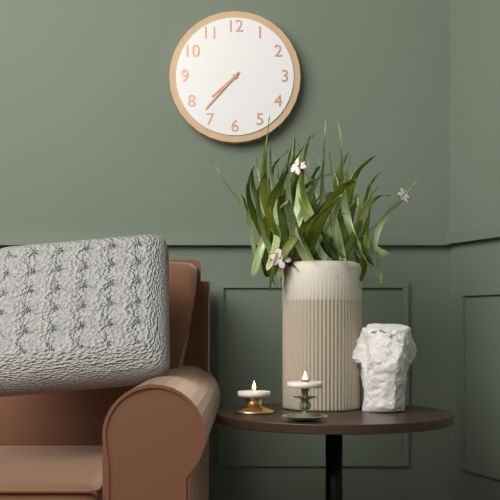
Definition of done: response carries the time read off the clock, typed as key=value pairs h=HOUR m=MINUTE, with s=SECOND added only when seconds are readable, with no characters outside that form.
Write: h=7 m=37
